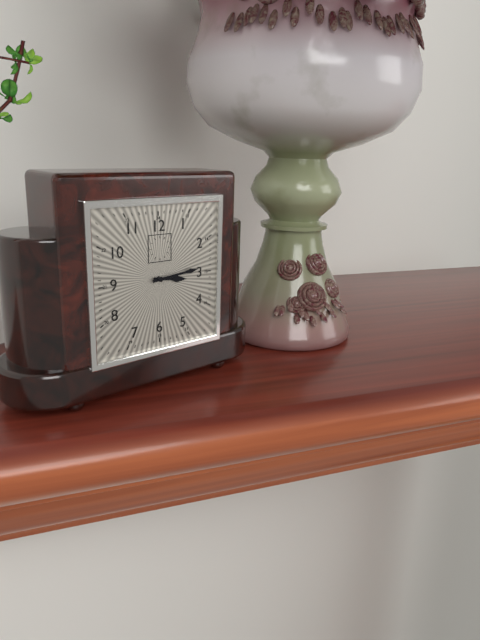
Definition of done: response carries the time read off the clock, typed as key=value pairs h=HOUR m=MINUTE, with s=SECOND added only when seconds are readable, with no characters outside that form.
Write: h=3 m=14
